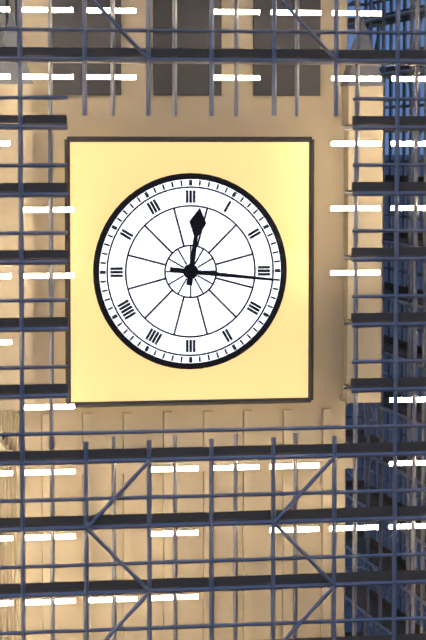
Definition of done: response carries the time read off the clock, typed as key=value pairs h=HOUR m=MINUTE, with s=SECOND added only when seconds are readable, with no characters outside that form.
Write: h=12 m=16
